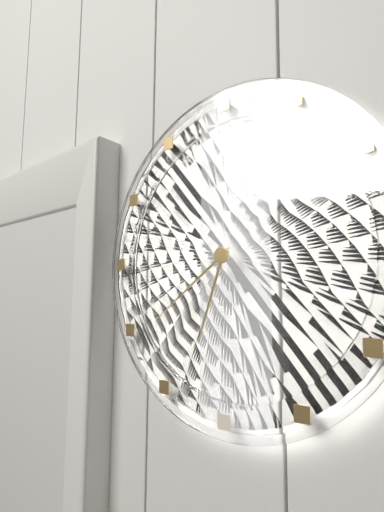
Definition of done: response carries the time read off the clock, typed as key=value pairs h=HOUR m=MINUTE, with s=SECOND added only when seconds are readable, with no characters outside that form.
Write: h=6 m=39
